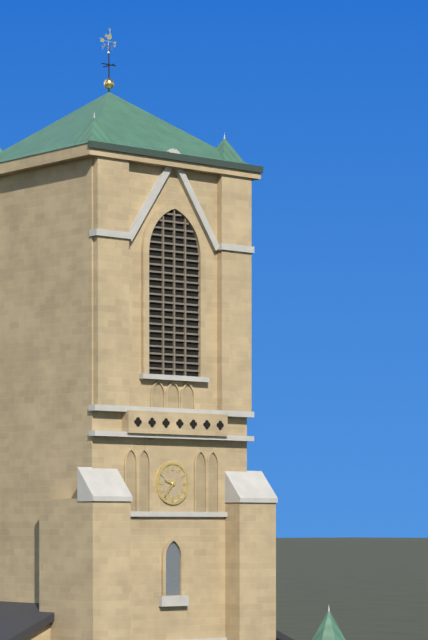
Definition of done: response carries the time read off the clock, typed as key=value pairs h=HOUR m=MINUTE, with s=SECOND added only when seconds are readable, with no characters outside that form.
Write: h=9 m=37
